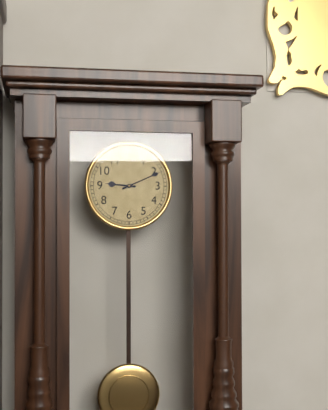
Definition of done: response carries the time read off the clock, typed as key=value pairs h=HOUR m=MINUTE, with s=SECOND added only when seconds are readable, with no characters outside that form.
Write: h=9 m=11
